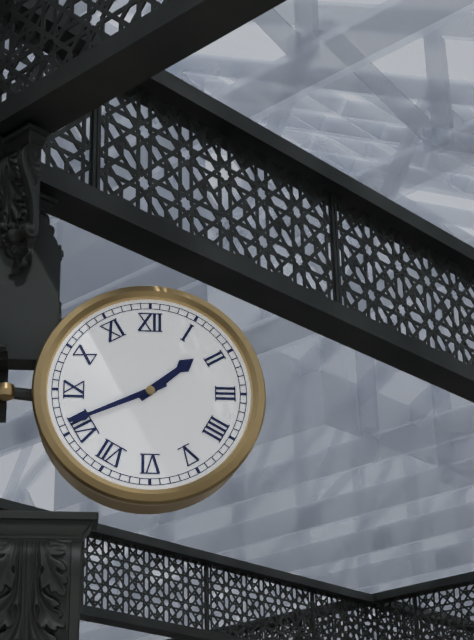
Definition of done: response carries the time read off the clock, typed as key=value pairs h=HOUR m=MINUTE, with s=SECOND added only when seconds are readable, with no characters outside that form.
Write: h=1 m=41
